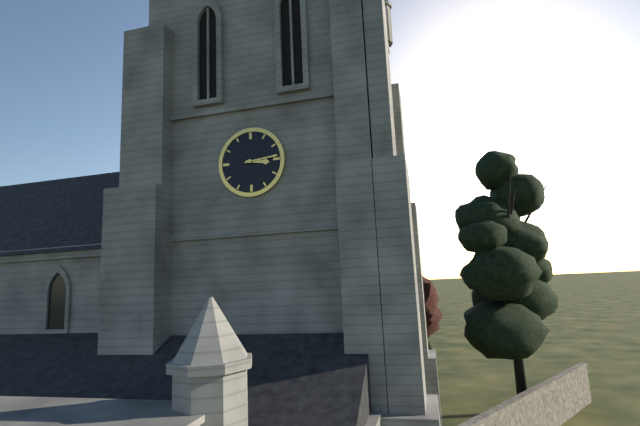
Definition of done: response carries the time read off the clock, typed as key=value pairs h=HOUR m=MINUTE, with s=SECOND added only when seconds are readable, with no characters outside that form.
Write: h=3 m=14
